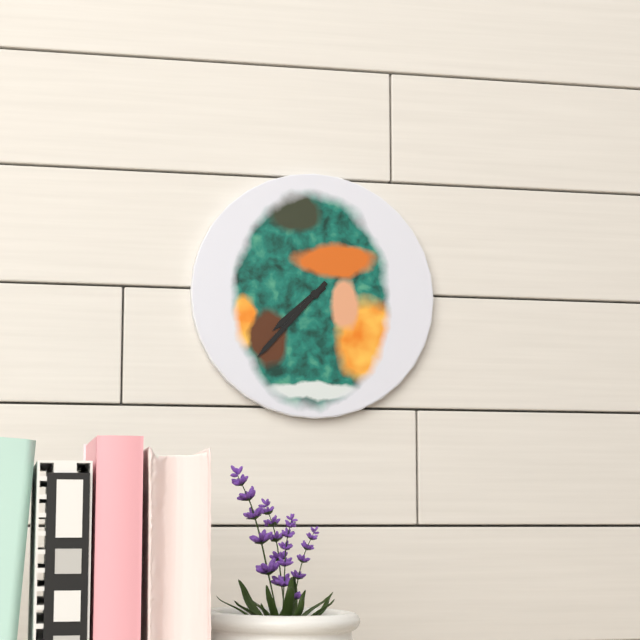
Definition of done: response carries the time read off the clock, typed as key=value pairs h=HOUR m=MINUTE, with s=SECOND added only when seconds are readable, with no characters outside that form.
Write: h=7 m=37
